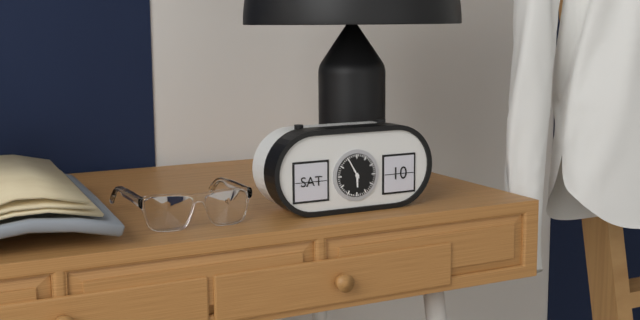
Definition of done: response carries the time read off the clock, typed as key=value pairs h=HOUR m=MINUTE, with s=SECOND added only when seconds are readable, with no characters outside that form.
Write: h=5 m=55
